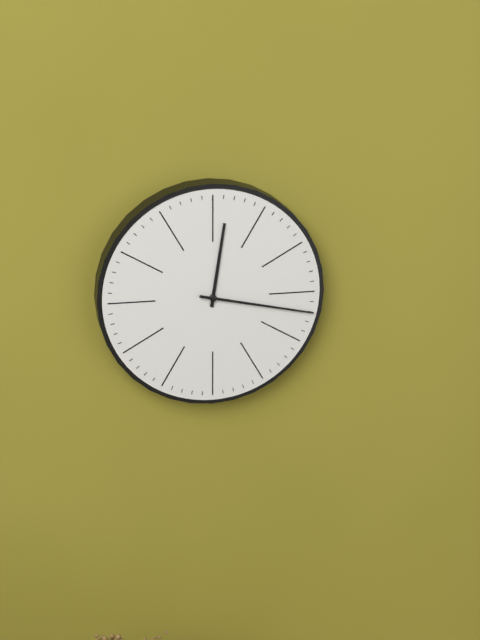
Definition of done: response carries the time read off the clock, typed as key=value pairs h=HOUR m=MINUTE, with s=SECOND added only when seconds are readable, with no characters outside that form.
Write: h=12 m=17
